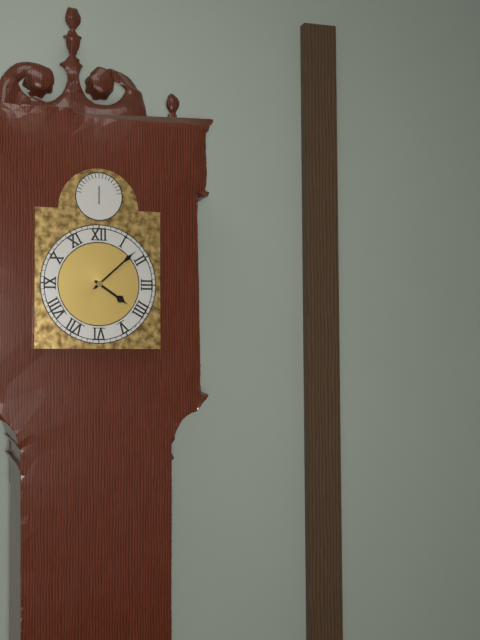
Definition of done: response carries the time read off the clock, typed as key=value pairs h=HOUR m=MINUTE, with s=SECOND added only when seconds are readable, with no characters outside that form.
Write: h=4 m=8
